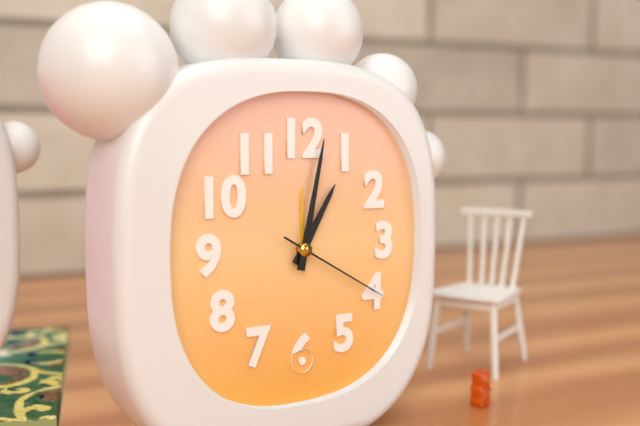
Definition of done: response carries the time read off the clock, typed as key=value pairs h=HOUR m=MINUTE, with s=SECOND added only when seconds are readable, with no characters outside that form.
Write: h=1 m=2 s=20
